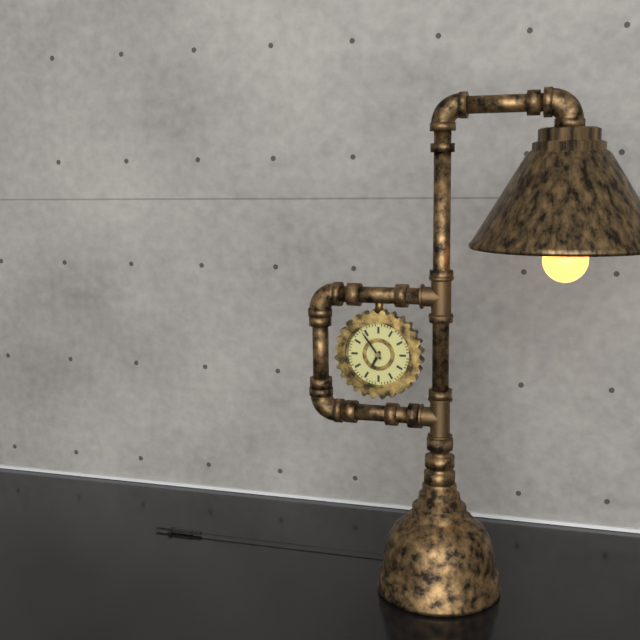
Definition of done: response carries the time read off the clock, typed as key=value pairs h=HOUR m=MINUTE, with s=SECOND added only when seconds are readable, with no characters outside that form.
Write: h=6 m=54
